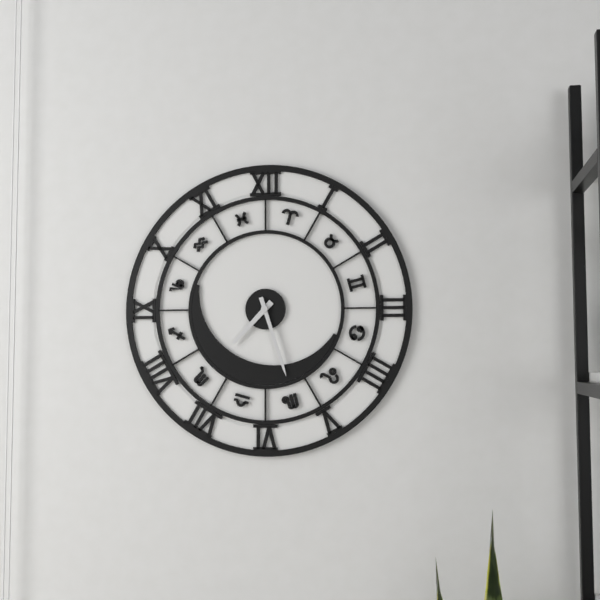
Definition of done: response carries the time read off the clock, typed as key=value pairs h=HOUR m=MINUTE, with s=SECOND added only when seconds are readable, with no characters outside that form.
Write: h=7 m=27
